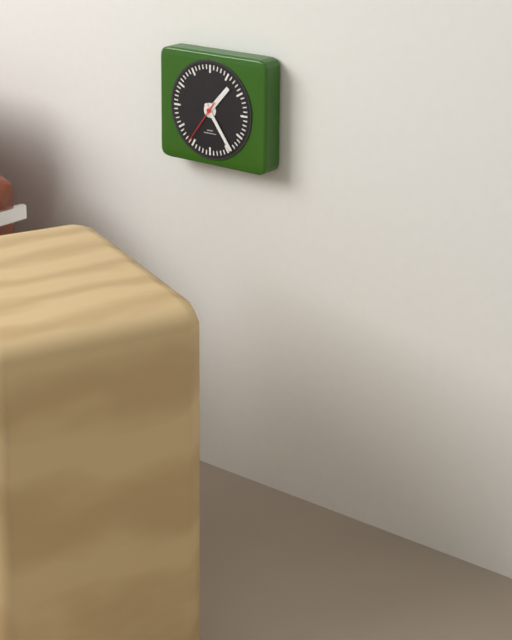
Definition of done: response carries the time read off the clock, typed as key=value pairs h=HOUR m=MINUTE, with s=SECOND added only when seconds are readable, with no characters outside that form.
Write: h=1 m=24
